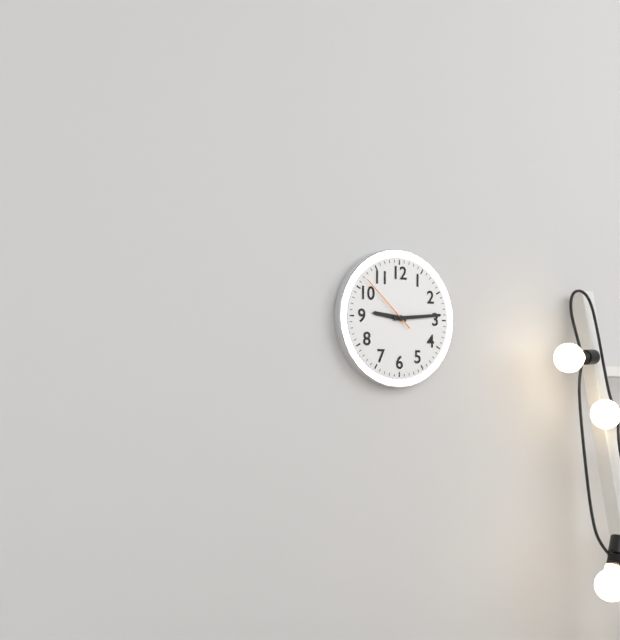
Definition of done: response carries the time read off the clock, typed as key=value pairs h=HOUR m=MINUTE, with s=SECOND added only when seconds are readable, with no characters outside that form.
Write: h=9 m=14 s=52
